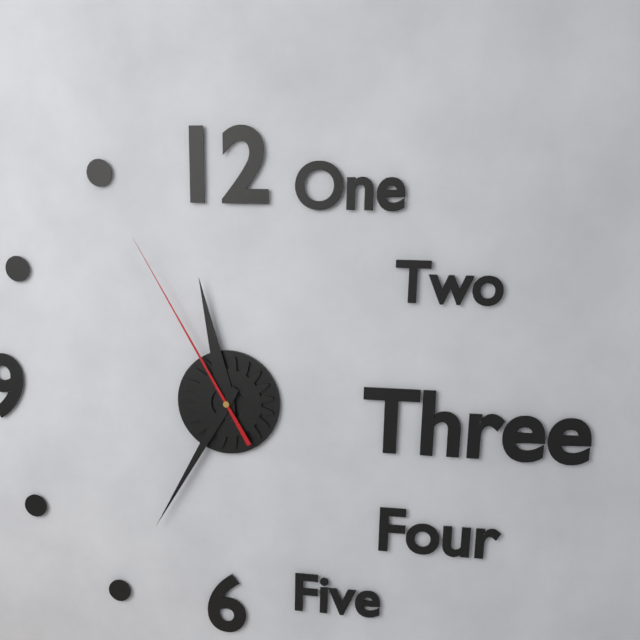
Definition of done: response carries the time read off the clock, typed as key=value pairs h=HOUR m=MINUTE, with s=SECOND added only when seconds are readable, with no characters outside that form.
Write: h=11 m=35 s=55
